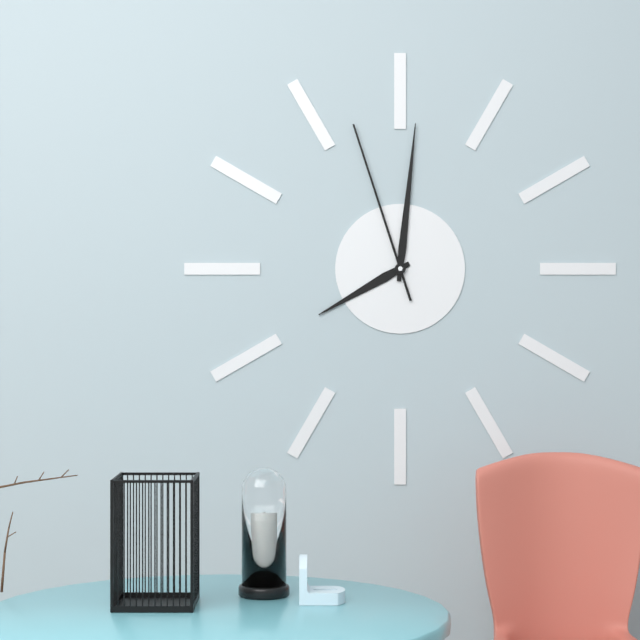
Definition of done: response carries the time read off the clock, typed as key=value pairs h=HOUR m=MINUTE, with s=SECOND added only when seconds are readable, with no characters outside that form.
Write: h=8 m=1 s=57
